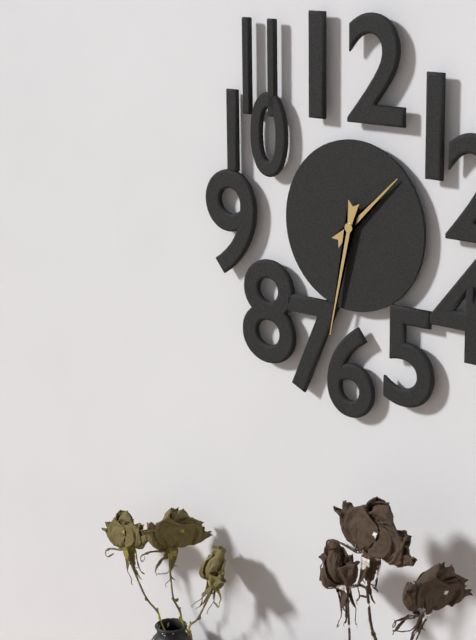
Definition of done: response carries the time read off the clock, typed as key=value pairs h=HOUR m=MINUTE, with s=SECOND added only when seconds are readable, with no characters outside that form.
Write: h=1 m=32
